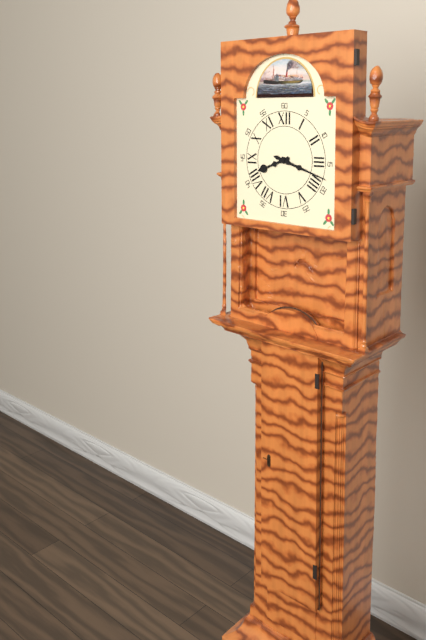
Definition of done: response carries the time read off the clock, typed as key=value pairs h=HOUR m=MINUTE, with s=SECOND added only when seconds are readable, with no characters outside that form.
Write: h=8 m=18
